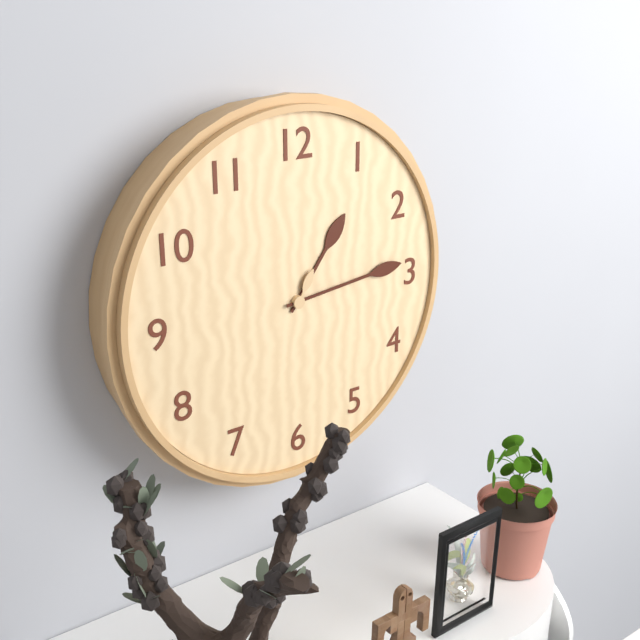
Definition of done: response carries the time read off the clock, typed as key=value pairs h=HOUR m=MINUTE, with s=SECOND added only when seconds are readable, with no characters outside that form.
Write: h=1 m=14 s=5
